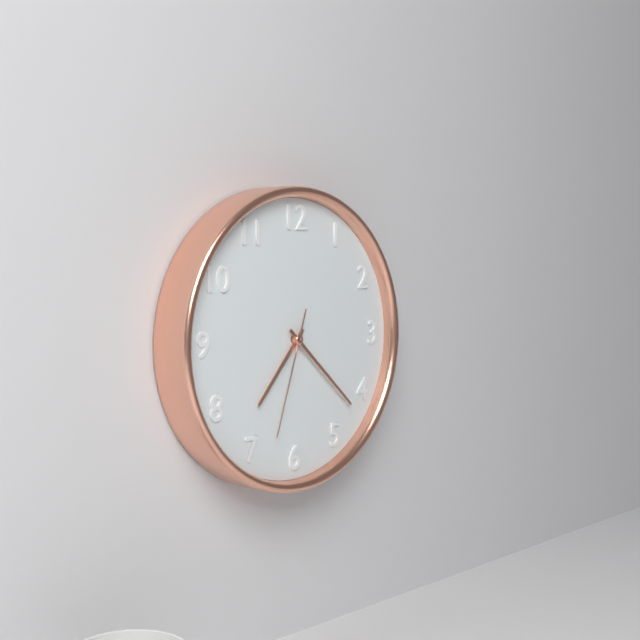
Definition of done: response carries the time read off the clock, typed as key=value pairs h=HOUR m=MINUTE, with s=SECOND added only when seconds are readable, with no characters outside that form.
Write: h=7 m=22 s=33
